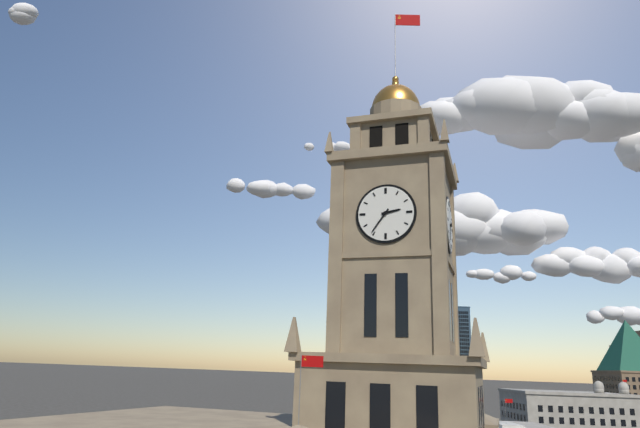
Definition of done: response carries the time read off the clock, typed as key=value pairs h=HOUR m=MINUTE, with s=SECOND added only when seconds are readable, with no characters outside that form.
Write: h=2 m=36
